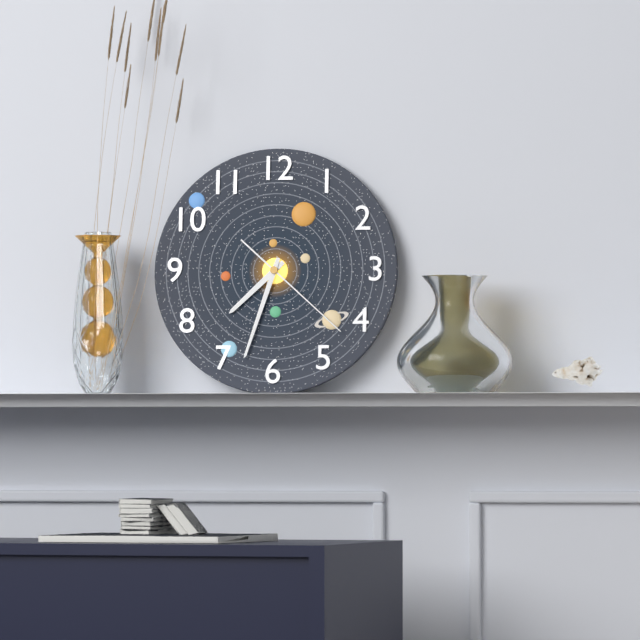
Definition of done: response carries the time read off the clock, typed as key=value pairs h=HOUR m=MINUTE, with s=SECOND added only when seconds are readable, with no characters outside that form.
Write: h=7 m=33 s=22
